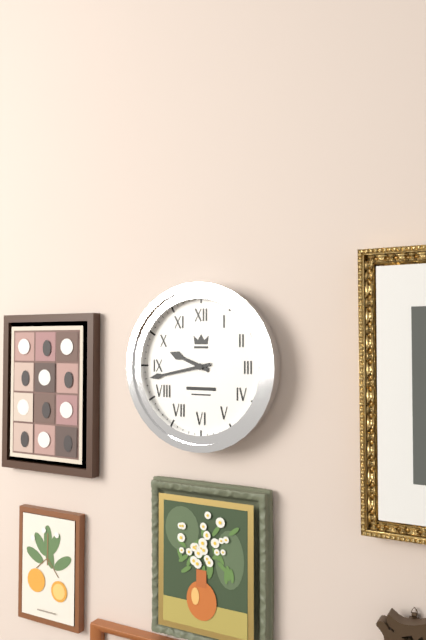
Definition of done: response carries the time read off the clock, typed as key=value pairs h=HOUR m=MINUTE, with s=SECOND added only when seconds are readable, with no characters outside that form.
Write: h=9 m=43
